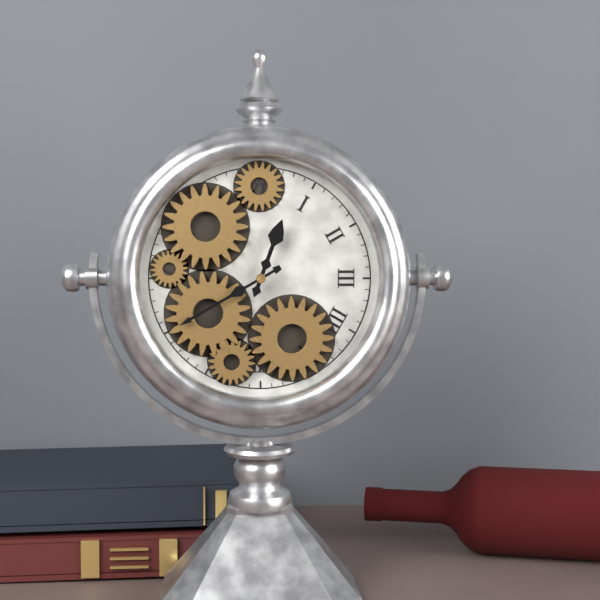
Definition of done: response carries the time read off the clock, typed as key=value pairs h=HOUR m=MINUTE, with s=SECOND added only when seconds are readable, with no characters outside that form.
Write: h=12 m=40
